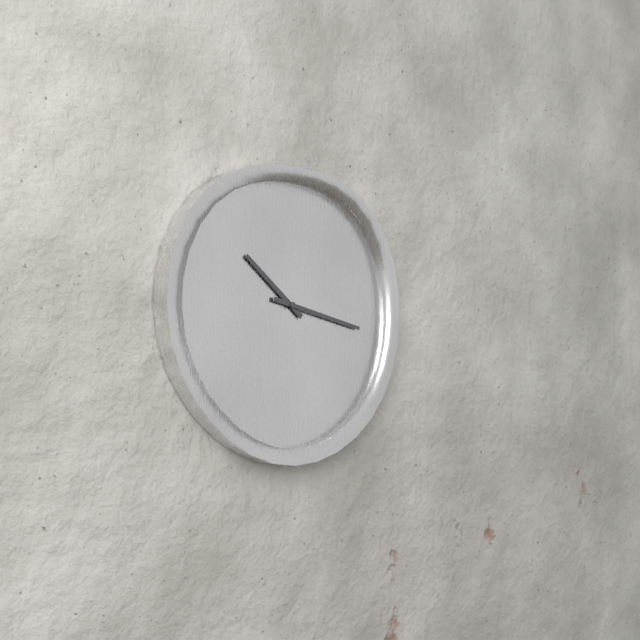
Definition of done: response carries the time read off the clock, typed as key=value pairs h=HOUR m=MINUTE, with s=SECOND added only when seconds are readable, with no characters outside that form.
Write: h=10 m=17
